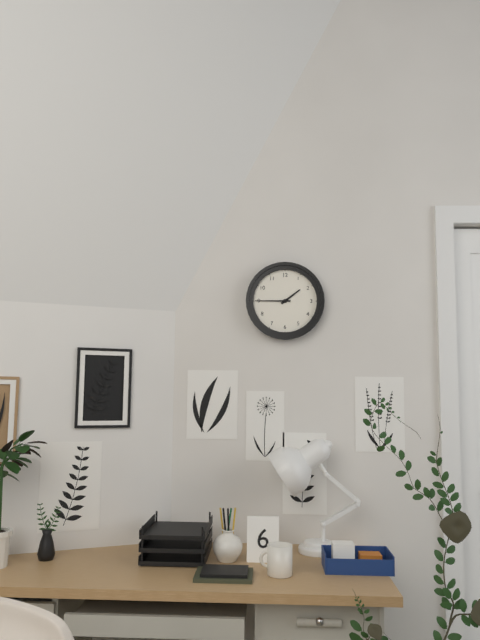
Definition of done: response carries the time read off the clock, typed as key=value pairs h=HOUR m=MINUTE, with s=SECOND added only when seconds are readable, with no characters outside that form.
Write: h=1 m=45
